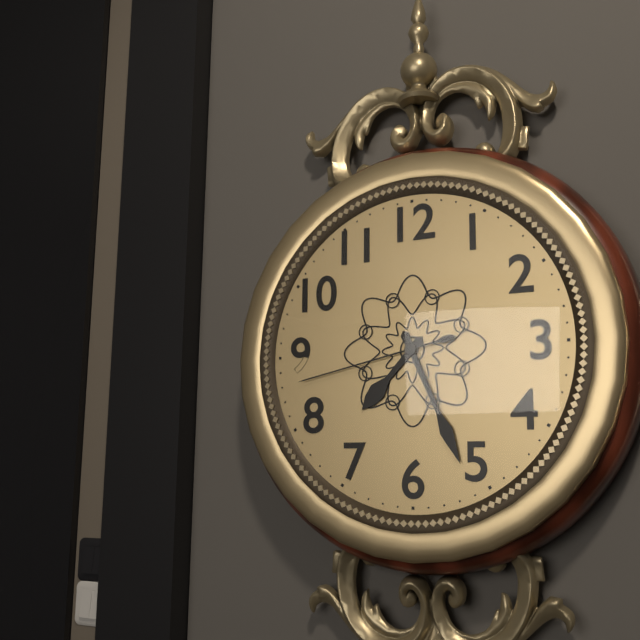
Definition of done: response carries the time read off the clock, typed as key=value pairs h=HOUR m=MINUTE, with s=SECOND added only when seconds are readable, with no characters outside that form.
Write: h=7 m=26 s=43
